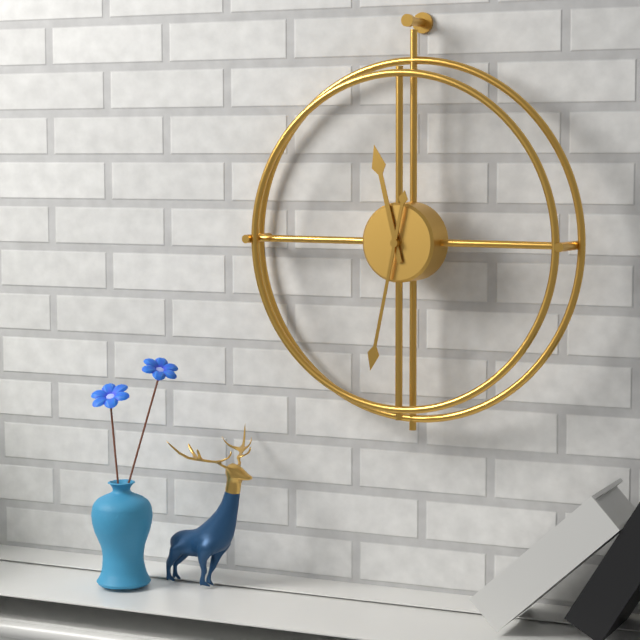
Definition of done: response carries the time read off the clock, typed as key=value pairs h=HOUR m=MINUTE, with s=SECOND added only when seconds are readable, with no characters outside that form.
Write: h=11 m=32
